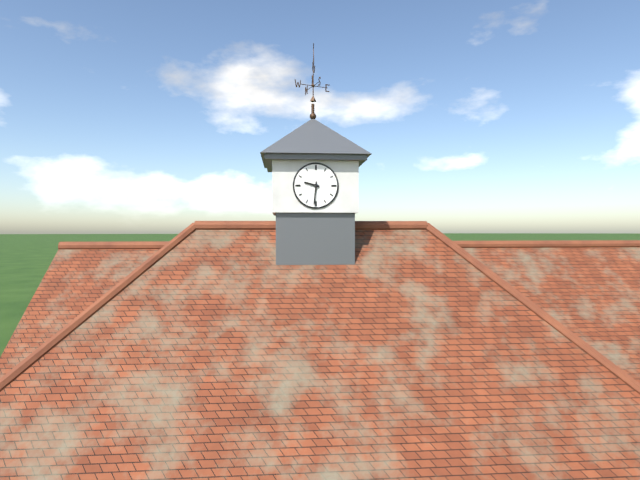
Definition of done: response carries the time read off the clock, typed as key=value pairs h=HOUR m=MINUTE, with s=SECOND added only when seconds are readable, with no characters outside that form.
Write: h=9 m=31
